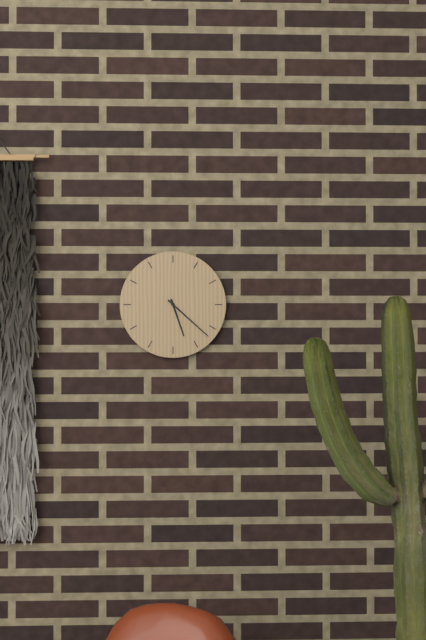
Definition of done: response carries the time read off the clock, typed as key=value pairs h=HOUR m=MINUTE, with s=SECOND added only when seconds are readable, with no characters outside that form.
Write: h=5 m=22
